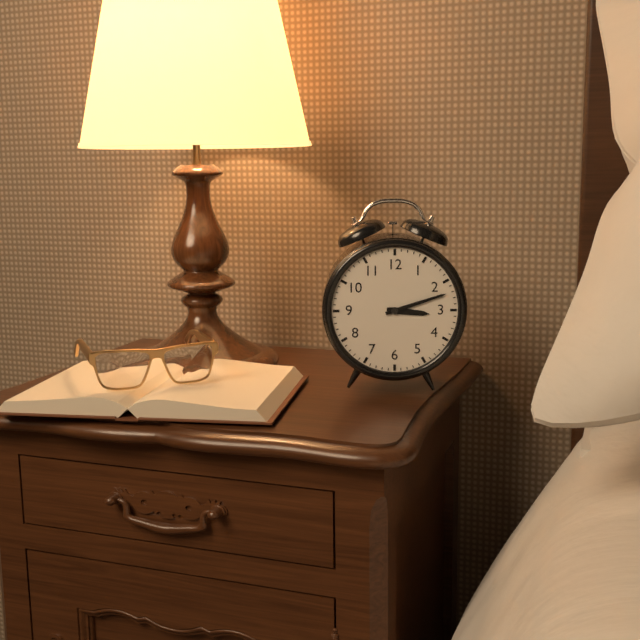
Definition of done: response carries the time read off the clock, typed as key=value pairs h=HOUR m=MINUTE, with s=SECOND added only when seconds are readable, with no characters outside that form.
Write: h=3 m=12
